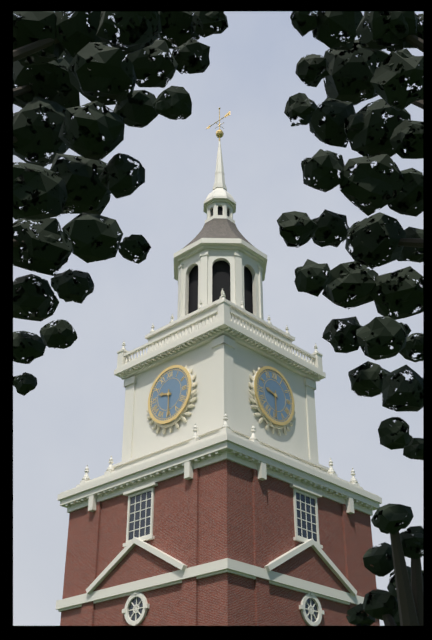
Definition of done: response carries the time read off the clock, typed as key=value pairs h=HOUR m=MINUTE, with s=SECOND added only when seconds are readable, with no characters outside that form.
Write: h=9 m=30
